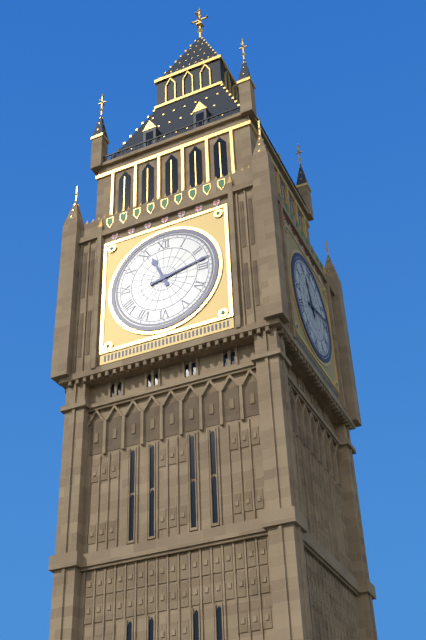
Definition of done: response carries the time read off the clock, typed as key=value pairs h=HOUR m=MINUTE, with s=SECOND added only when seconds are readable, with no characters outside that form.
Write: h=11 m=13
